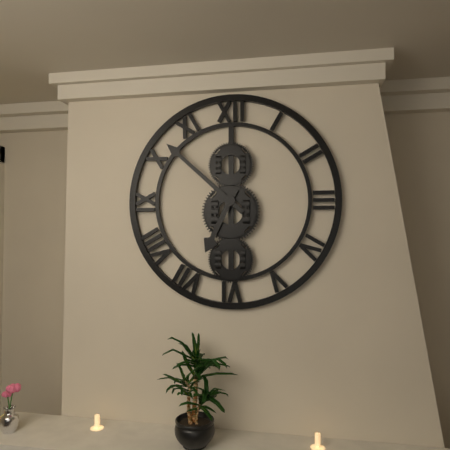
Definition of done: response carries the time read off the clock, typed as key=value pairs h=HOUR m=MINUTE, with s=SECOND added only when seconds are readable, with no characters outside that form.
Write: h=6 m=52
